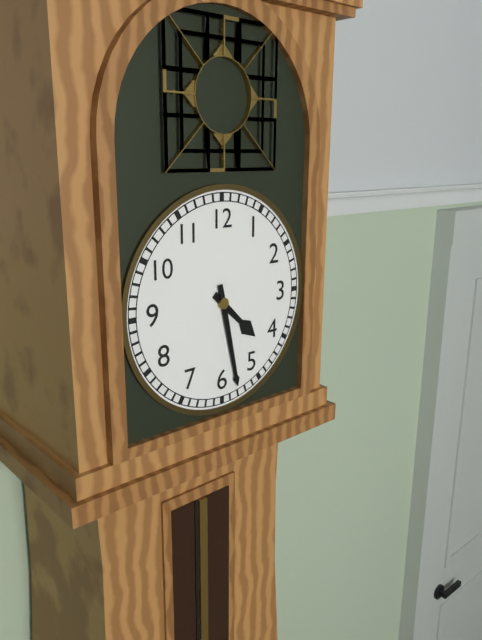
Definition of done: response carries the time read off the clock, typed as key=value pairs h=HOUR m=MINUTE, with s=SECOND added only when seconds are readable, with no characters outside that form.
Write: h=4 m=28
